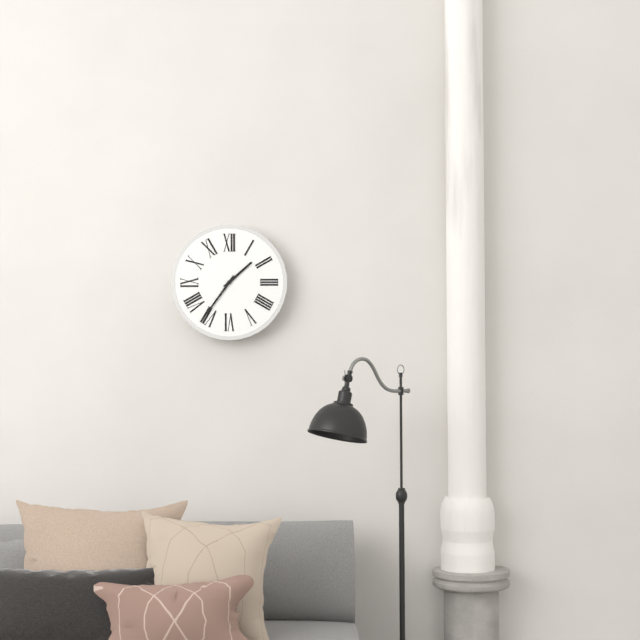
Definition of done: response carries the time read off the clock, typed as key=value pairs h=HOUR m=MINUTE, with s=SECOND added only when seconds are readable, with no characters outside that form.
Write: h=1 m=36
